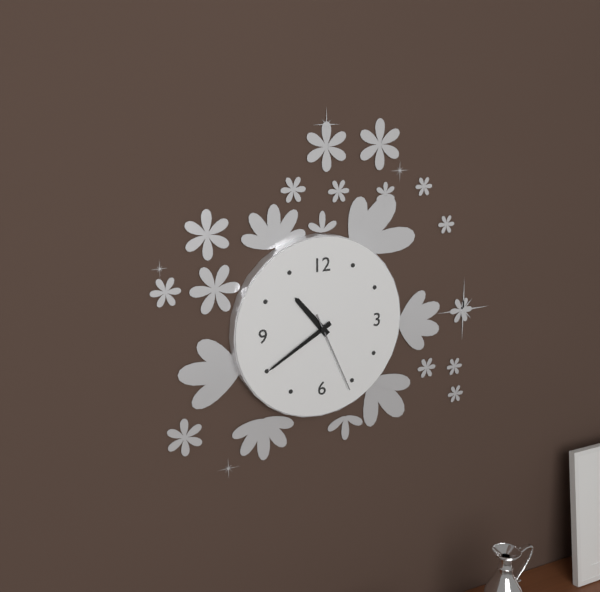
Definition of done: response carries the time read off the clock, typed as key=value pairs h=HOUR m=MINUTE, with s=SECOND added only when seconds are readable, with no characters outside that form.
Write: h=10 m=40 s=26
